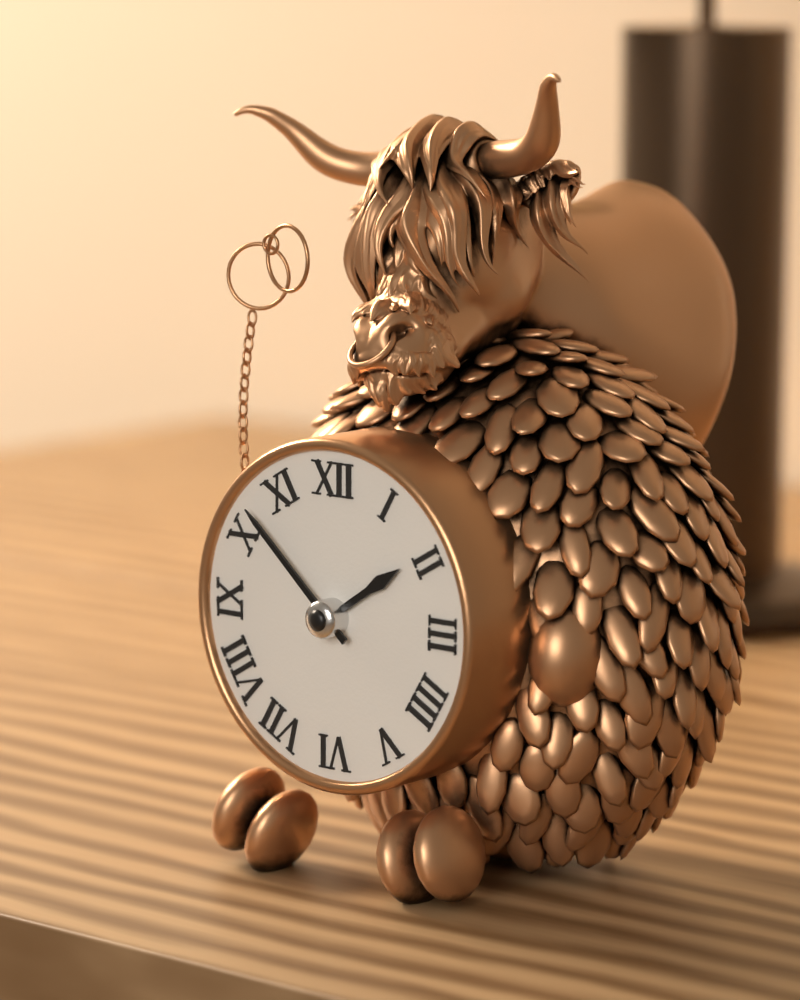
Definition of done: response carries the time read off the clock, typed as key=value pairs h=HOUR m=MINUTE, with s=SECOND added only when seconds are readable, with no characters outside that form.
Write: h=1 m=52
